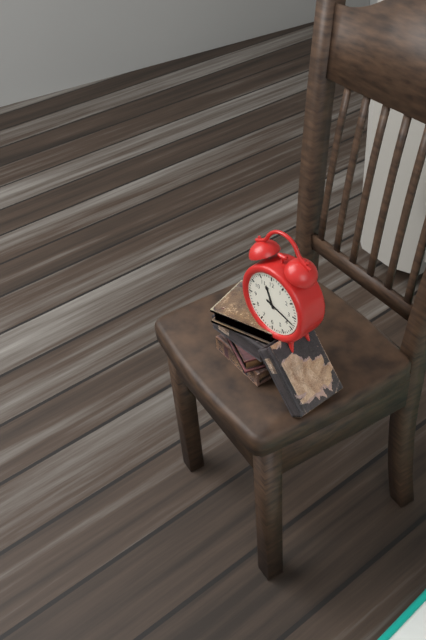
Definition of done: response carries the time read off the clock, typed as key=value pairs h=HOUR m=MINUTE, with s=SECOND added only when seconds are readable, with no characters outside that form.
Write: h=11 m=18
